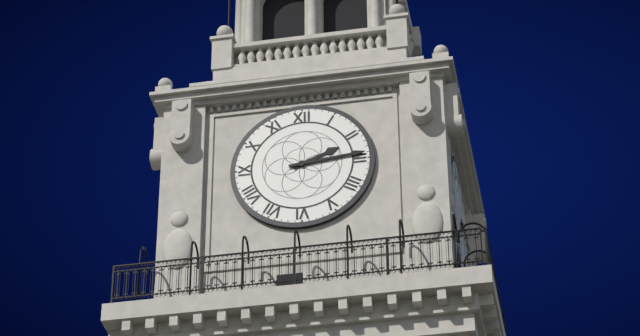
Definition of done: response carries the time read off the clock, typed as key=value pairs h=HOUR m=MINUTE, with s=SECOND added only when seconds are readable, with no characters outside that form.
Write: h=2 m=14
